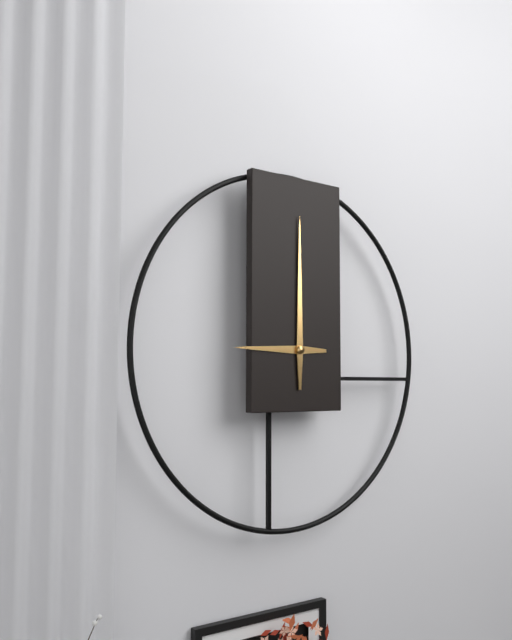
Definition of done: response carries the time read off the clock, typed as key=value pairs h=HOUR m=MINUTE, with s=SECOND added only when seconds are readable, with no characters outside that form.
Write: h=9 m=0
